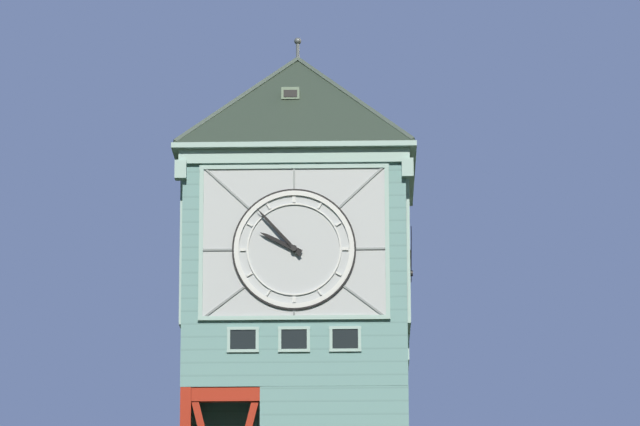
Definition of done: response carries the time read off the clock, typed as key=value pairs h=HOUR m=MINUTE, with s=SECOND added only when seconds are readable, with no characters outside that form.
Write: h=9 m=53
